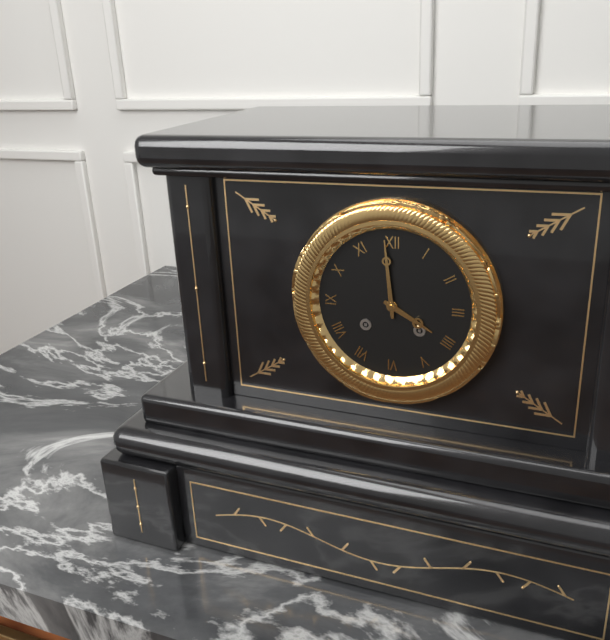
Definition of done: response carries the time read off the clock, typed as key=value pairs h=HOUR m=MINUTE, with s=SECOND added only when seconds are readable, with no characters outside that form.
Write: h=3 m=59
